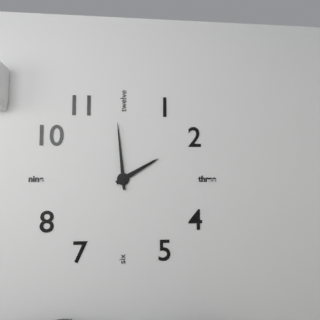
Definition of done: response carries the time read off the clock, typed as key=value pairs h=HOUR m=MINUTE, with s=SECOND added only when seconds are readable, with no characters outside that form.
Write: h=1 m=59
